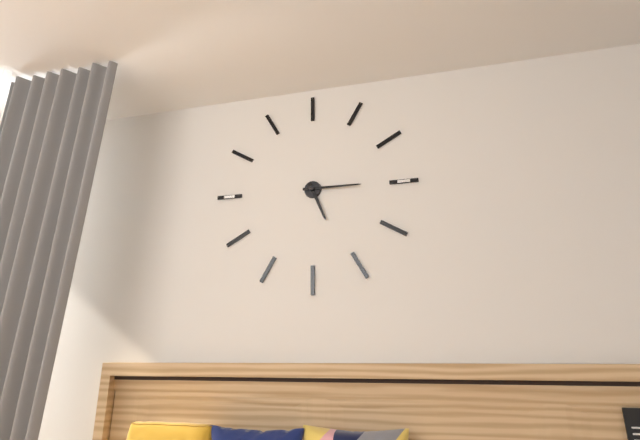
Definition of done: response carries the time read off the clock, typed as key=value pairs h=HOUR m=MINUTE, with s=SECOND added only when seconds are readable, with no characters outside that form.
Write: h=5 m=15
